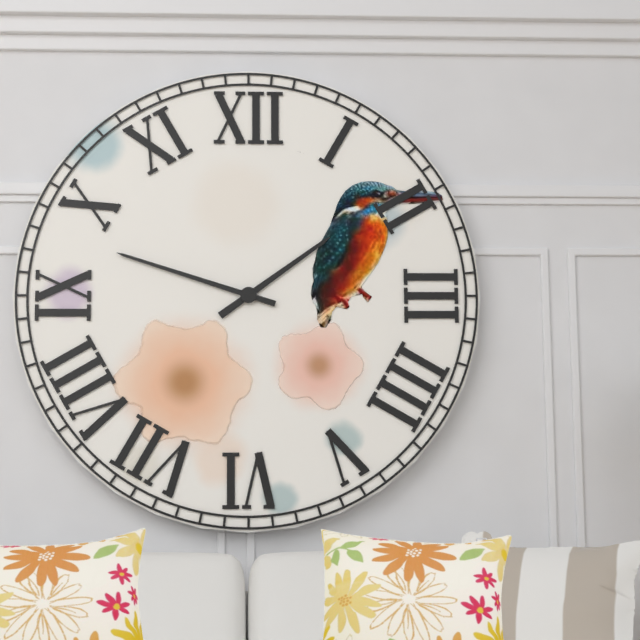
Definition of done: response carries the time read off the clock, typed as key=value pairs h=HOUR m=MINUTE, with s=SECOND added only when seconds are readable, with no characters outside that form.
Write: h=1 m=48
